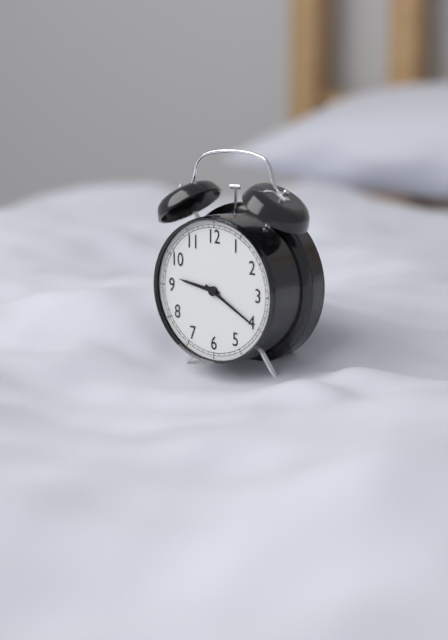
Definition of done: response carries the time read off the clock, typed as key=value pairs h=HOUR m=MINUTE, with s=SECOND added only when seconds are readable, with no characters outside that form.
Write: h=9 m=20
